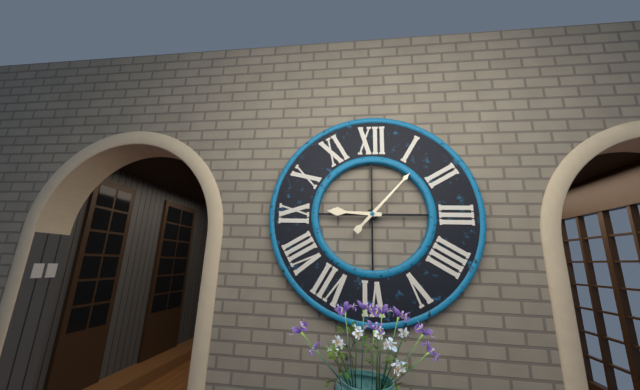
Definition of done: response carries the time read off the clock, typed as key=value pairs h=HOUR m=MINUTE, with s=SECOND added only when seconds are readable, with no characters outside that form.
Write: h=9 m=7
